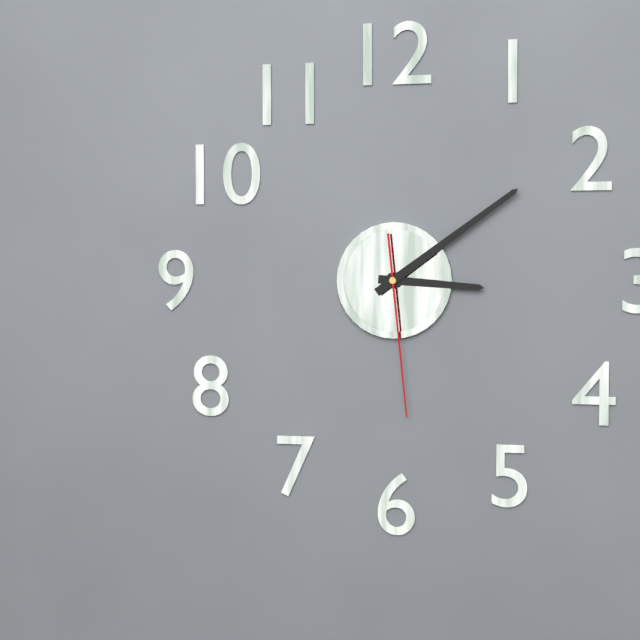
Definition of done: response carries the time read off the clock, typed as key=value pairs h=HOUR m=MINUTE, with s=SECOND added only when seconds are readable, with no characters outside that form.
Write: h=3 m=9 s=29
